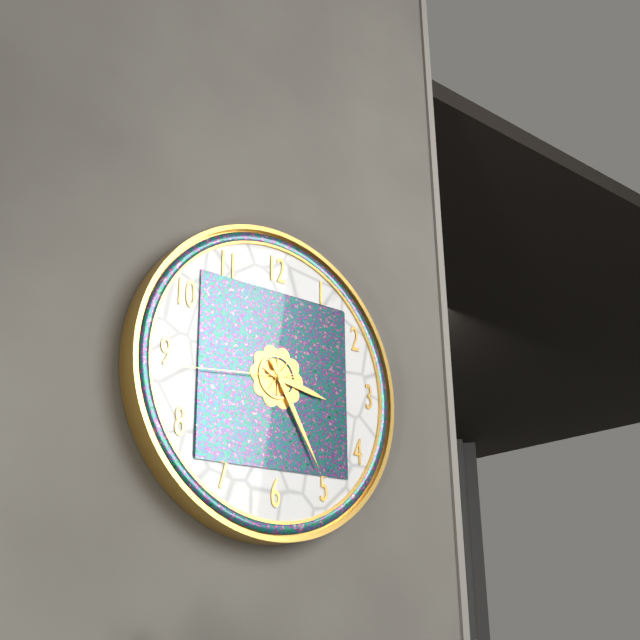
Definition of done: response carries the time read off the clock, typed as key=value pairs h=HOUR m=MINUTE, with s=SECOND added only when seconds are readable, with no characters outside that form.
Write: h=3 m=25 s=44
